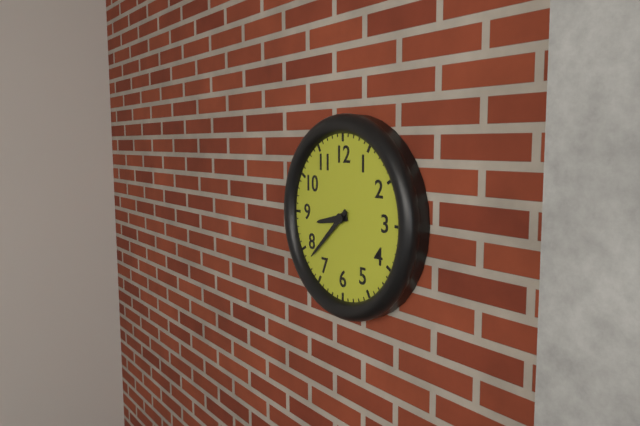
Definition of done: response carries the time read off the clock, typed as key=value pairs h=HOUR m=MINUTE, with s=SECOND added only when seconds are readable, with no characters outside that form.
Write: h=8 m=38
